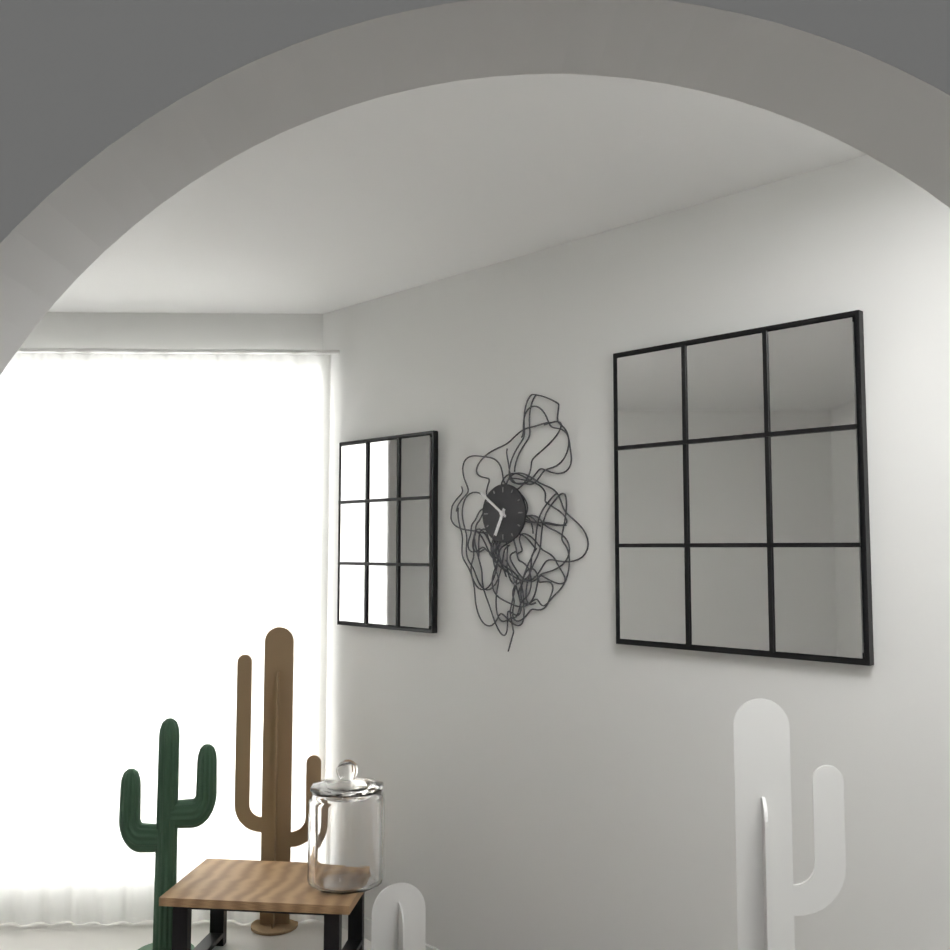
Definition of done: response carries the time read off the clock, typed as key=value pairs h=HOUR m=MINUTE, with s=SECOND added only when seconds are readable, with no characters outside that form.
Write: h=6 m=51
